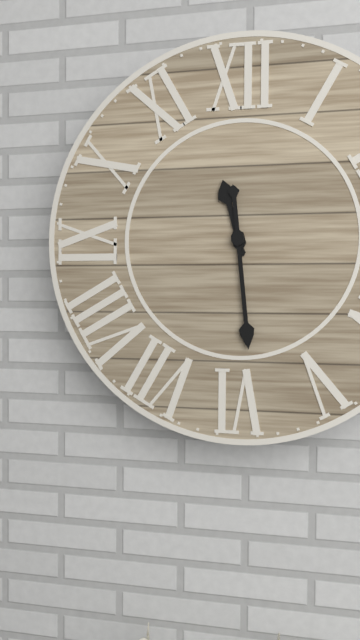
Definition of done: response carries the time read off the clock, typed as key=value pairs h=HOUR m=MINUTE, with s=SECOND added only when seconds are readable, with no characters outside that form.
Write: h=11 m=29
